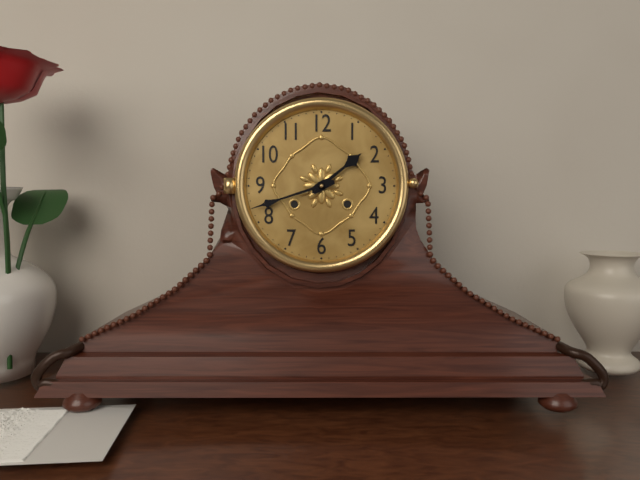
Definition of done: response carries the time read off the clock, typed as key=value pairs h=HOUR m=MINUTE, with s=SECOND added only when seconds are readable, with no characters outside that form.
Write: h=1 m=42
